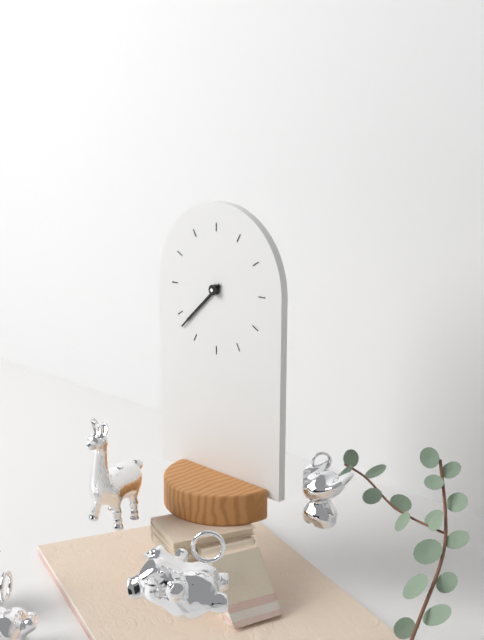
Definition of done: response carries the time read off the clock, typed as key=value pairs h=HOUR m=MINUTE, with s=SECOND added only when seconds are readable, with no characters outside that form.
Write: h=7 m=38
